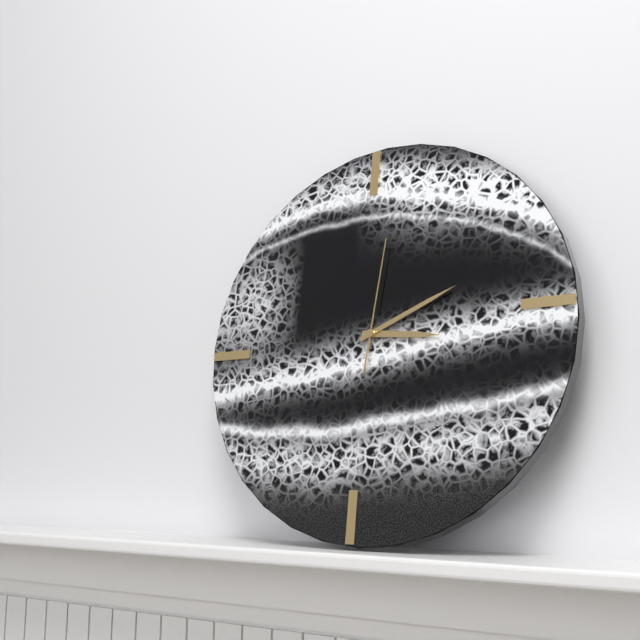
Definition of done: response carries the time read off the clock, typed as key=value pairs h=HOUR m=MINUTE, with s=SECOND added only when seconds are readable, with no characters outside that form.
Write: h=3 m=11 s=1
